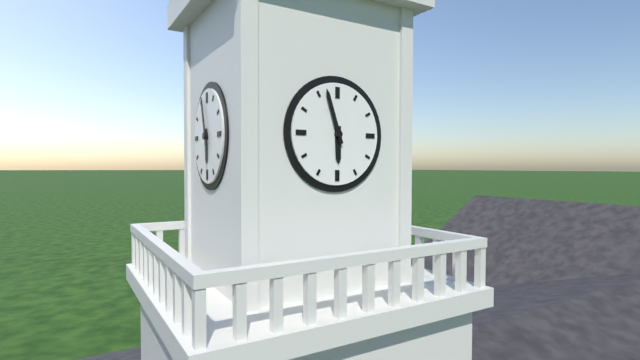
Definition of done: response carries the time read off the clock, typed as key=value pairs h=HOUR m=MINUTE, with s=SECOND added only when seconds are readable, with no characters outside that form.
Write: h=5 m=57
